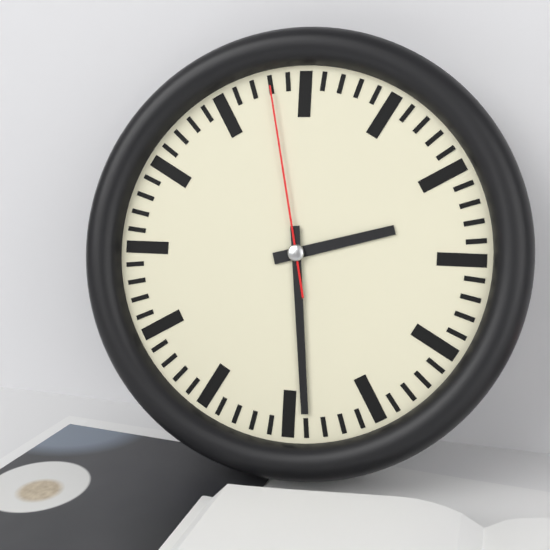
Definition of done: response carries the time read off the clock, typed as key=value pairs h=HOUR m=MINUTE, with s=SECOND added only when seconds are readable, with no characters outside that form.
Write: h=2 m=29 s=58
